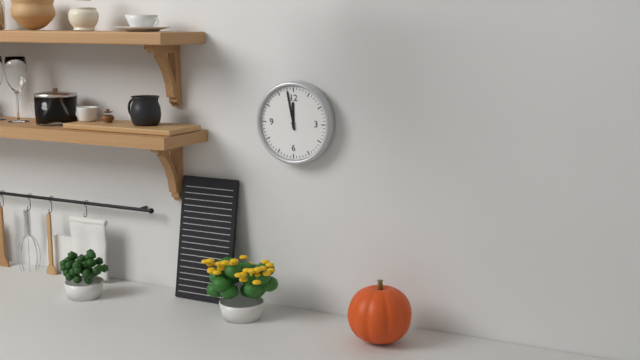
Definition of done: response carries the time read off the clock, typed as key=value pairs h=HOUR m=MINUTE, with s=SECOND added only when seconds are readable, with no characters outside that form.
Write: h=11 m=58
